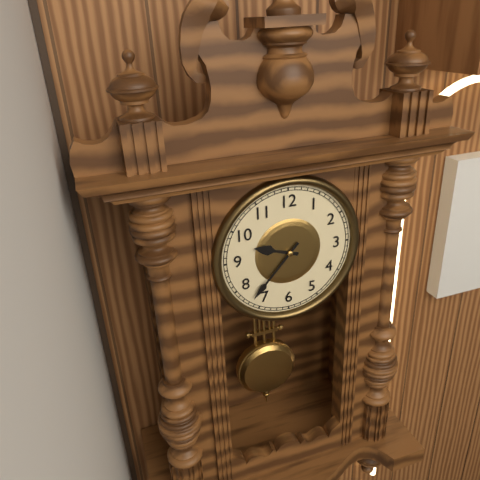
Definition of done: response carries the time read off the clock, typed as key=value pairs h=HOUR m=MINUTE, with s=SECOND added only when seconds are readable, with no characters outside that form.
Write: h=9 m=37
